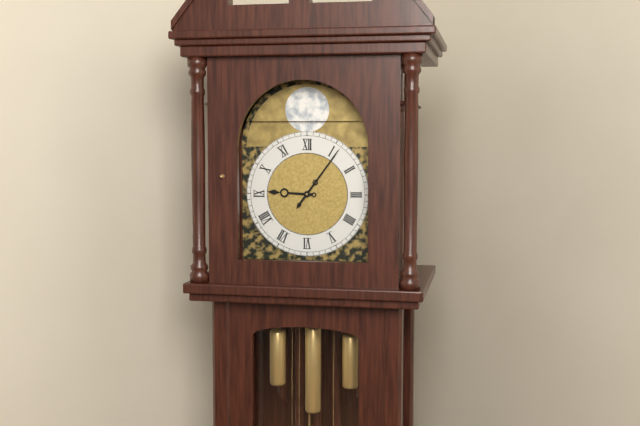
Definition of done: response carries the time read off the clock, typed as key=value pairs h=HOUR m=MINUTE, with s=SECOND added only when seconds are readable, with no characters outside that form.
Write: h=9 m=6
